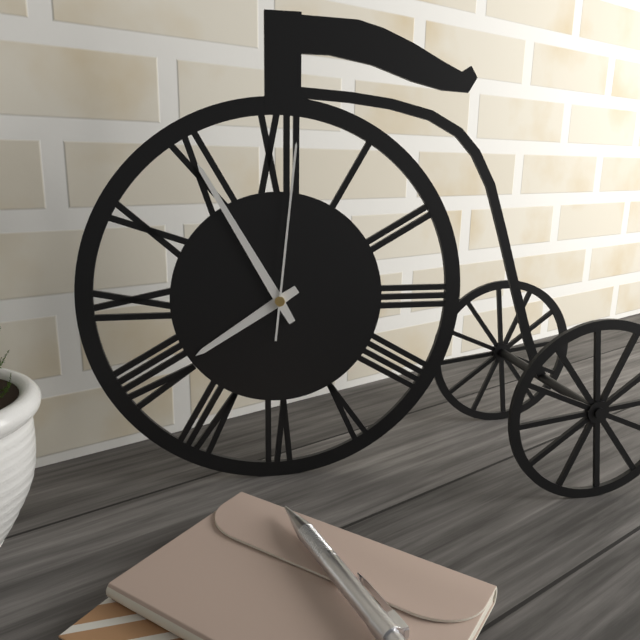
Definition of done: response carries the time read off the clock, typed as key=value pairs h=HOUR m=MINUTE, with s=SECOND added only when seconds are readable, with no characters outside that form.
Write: h=7 m=55 s=1
